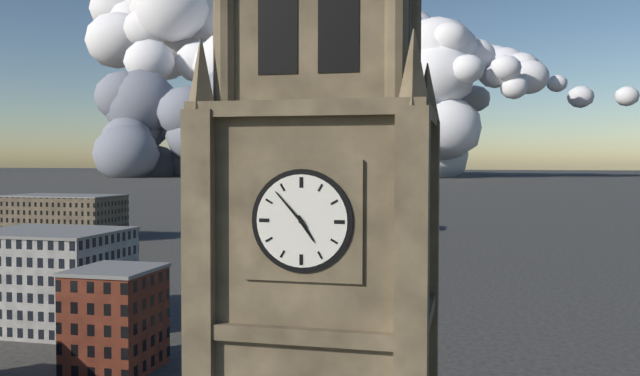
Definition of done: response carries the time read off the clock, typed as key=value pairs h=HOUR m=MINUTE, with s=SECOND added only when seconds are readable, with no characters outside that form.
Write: h=4 m=53
